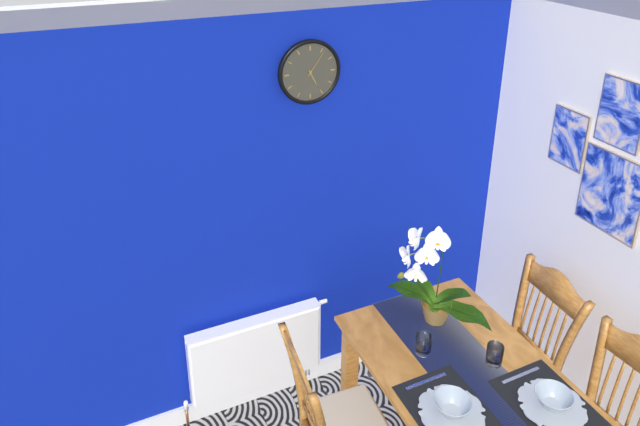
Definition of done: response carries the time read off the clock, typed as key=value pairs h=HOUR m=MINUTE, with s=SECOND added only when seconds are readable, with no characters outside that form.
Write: h=5 m=6
